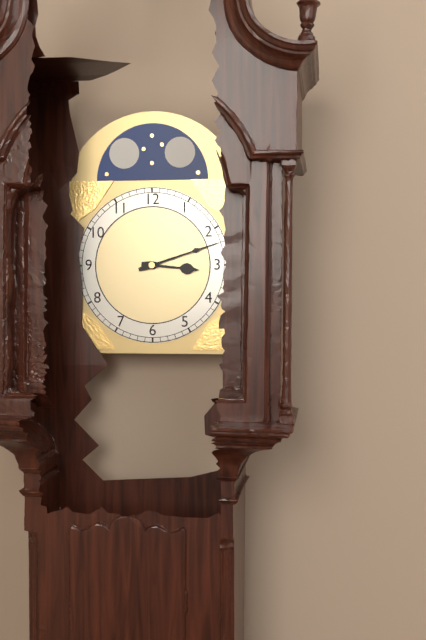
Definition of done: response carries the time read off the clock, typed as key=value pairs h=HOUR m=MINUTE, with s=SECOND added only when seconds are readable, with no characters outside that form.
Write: h=3 m=12
